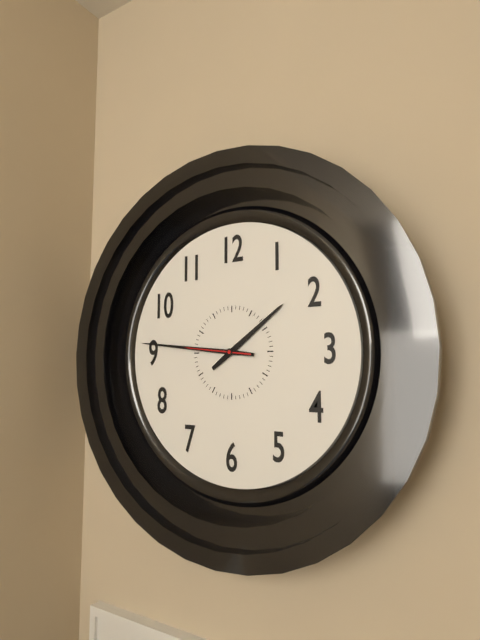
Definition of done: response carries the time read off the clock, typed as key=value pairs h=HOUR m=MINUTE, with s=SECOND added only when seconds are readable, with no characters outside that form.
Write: h=1 m=46 s=46
